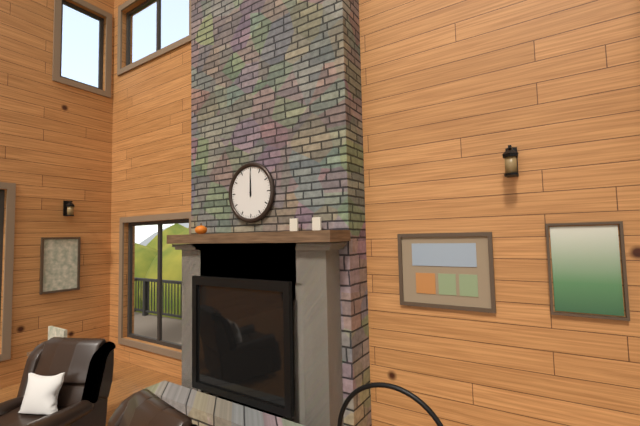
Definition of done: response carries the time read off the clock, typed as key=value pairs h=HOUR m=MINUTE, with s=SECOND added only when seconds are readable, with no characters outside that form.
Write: h=12 m=0
